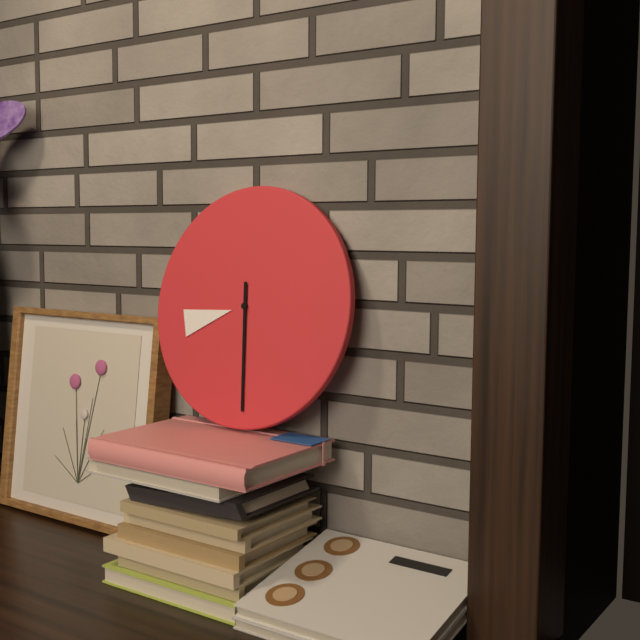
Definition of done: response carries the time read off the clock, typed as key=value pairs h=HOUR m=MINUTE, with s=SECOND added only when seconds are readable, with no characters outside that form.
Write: h=8 m=29
